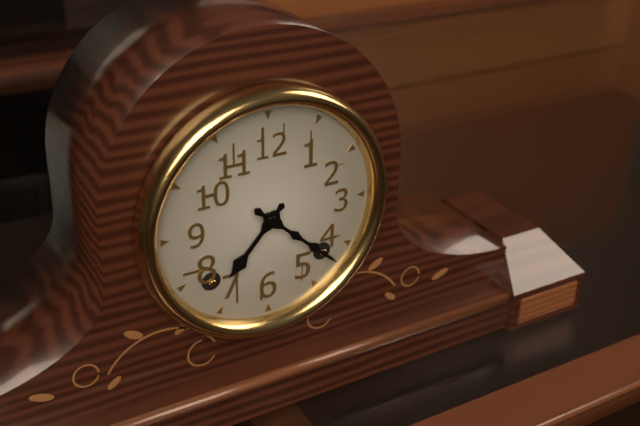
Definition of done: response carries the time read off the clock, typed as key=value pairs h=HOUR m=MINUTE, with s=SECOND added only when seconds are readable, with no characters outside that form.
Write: h=7 m=22
